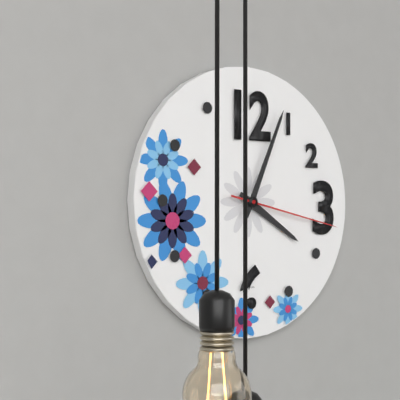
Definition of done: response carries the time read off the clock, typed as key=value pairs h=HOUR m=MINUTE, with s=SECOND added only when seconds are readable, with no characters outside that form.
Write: h=4 m=4 s=17
